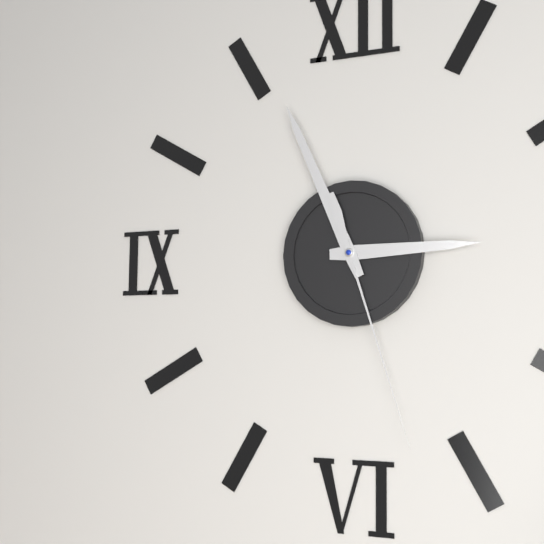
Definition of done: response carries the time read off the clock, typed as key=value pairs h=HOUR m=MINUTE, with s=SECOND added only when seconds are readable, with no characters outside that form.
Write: h=2 m=56 s=27
